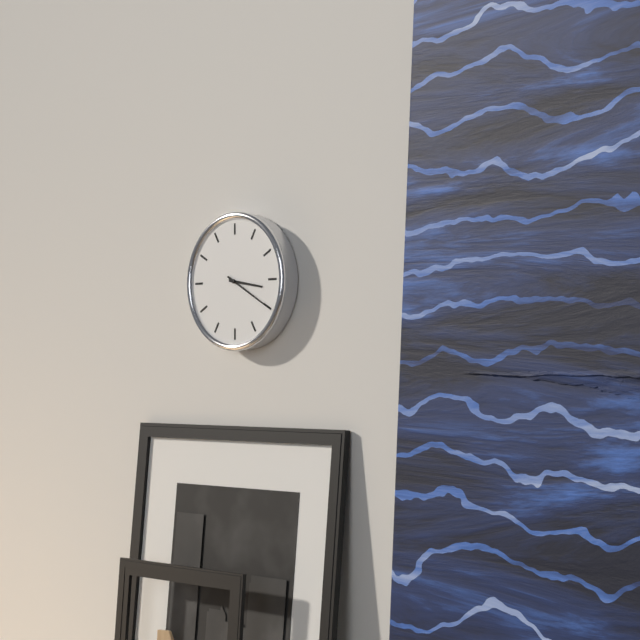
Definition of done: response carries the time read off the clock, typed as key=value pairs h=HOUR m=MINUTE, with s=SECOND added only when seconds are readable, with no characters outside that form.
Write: h=3 m=20
